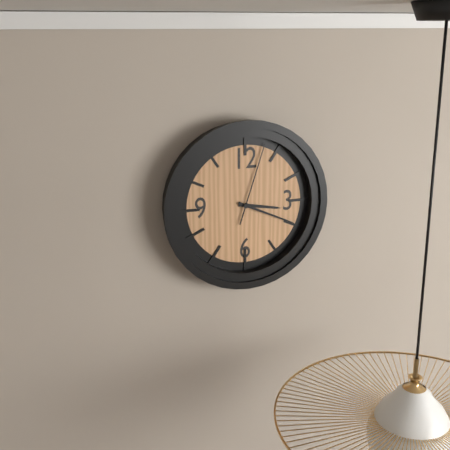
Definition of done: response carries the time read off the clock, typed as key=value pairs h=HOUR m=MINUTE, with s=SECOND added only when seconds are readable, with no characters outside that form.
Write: h=3 m=19 s=3
